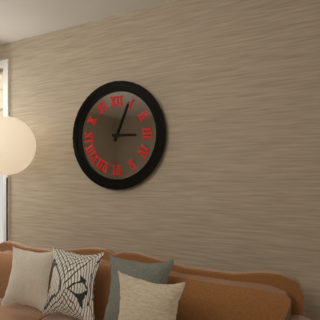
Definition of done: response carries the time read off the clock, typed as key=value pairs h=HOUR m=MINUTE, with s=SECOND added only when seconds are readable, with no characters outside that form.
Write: h=3 m=4
